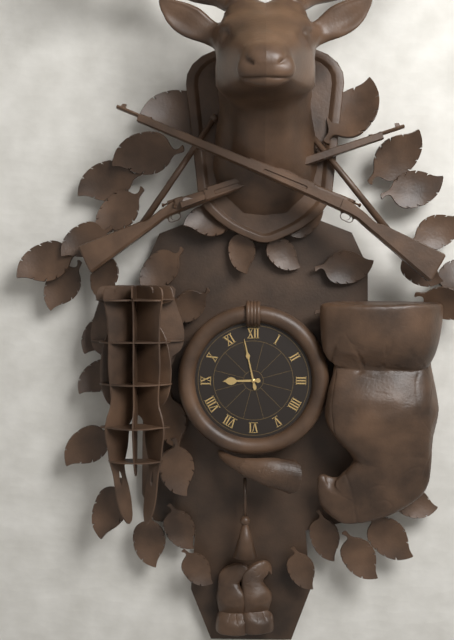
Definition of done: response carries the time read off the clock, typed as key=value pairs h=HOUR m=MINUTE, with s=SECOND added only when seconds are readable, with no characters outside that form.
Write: h=8 m=58
